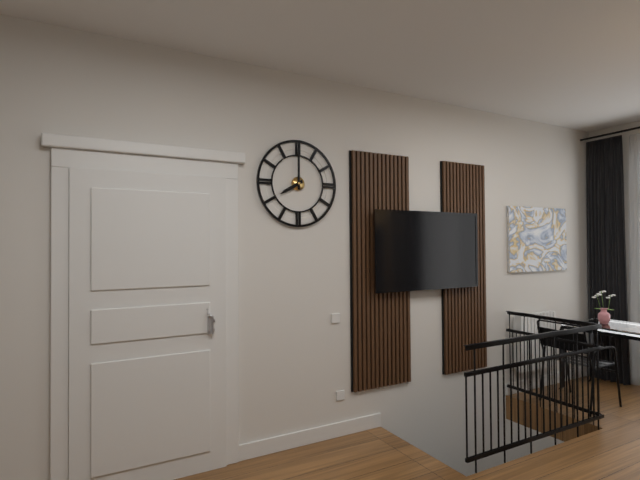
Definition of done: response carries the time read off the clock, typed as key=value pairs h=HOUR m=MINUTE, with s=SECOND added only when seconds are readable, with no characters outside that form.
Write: h=8 m=0
